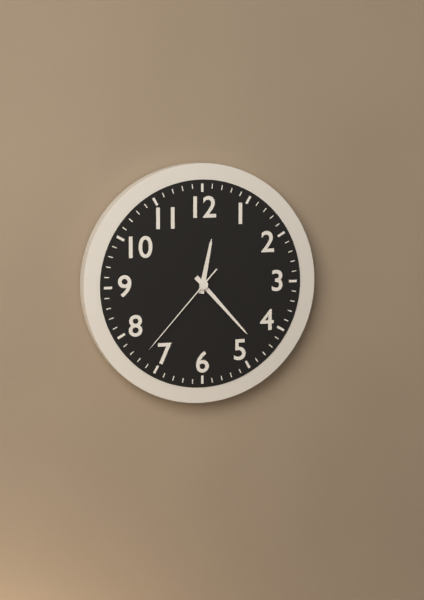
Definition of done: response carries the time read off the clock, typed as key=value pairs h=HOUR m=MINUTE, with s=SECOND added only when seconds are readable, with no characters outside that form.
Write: h=12 m=23 s=37
